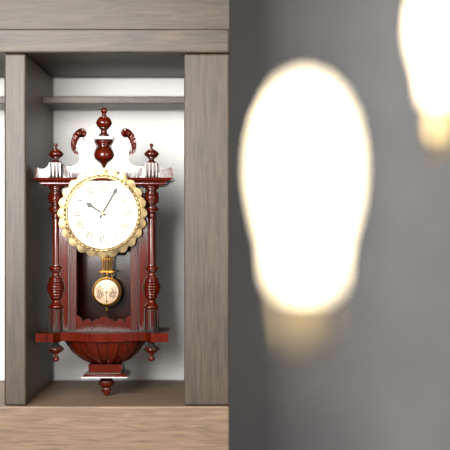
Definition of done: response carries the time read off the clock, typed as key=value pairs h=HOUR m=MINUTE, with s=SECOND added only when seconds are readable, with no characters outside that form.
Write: h=10 m=5
